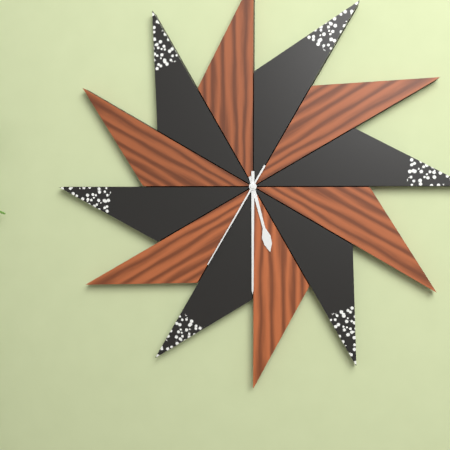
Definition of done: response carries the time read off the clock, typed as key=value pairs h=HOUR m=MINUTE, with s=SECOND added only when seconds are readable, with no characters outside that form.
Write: h=5 m=30 s=35
